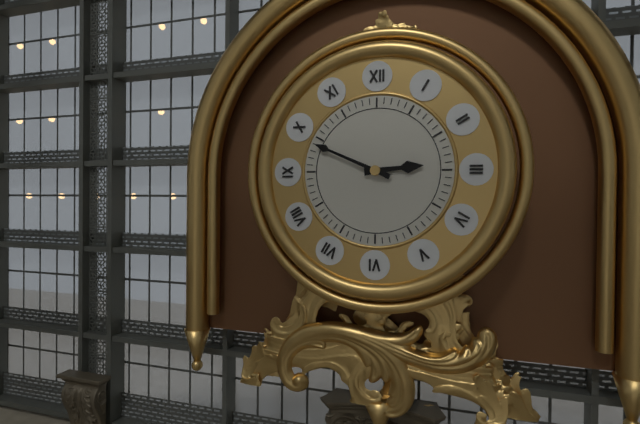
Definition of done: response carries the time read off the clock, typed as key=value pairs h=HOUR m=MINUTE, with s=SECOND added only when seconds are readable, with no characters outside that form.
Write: h=2 m=49
